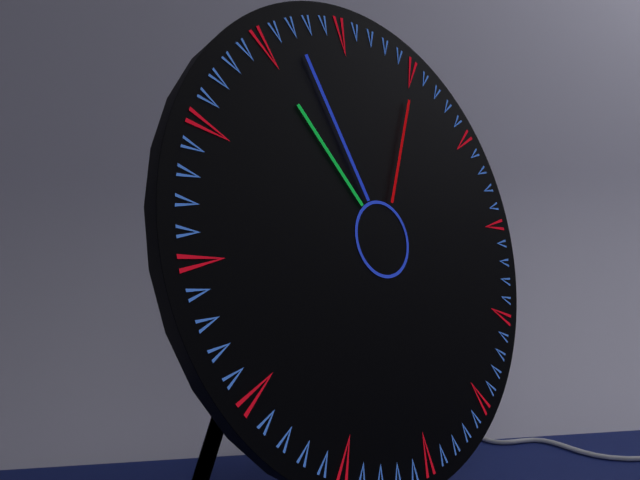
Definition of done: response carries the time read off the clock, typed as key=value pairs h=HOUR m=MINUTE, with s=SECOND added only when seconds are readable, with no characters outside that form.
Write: h=10 m=57 s=5
